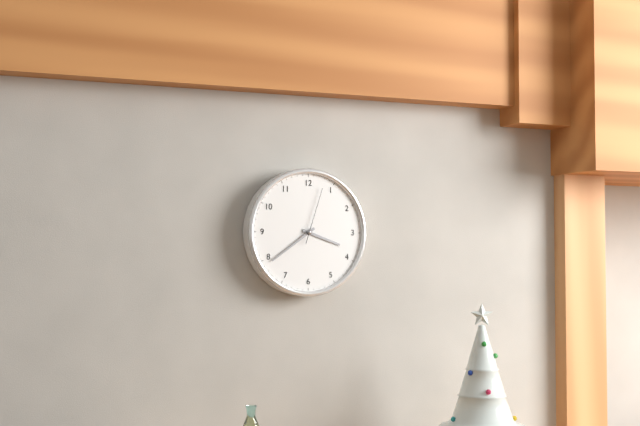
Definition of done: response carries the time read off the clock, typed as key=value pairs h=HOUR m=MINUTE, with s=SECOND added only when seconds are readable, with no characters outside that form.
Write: h=3 m=39 s=3
